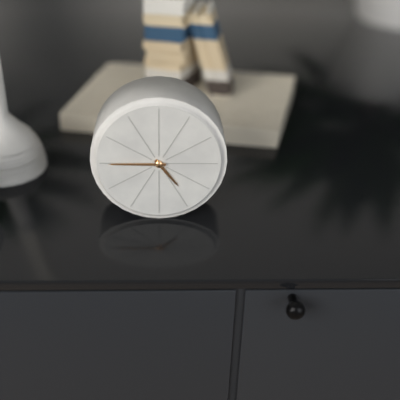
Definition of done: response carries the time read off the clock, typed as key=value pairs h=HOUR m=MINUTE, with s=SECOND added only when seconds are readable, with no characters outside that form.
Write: h=4 m=45
